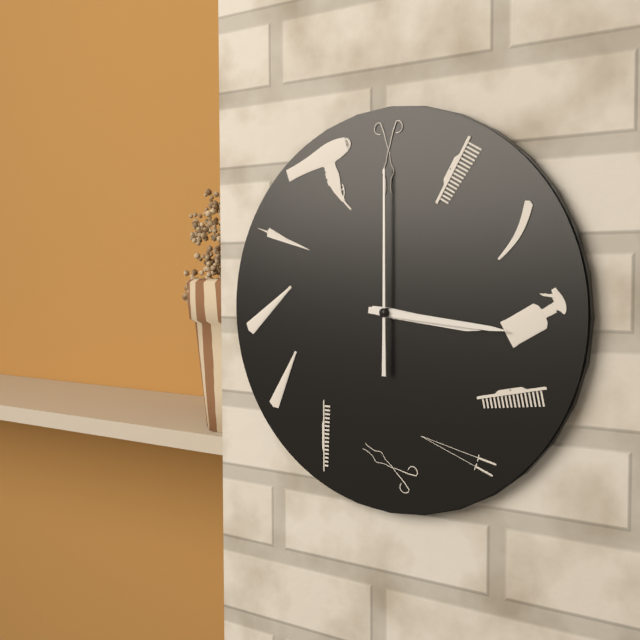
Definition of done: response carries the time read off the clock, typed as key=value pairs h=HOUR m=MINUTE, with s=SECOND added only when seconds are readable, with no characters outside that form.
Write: h=3 m=16 s=0
